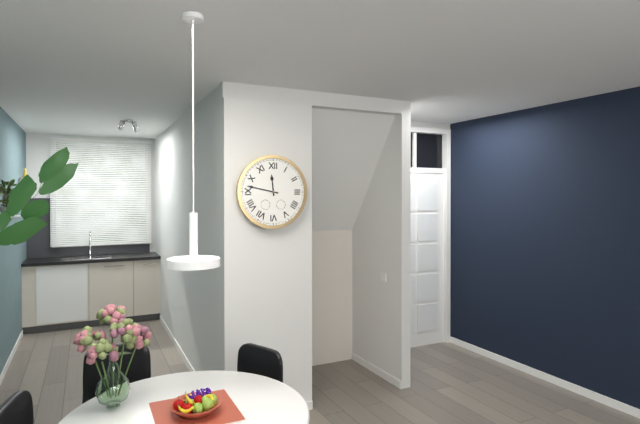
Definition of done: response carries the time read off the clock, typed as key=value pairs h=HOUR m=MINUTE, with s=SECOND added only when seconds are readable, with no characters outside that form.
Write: h=11 m=47
